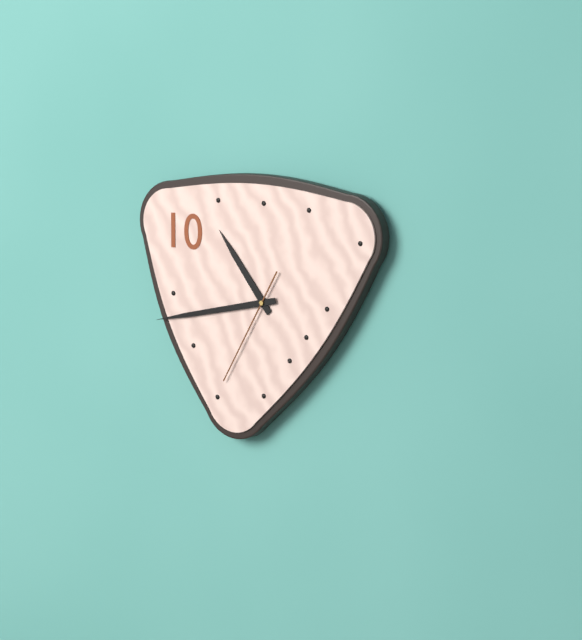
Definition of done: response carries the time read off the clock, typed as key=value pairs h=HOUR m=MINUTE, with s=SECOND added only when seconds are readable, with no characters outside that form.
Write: h=10 m=43 s=35
